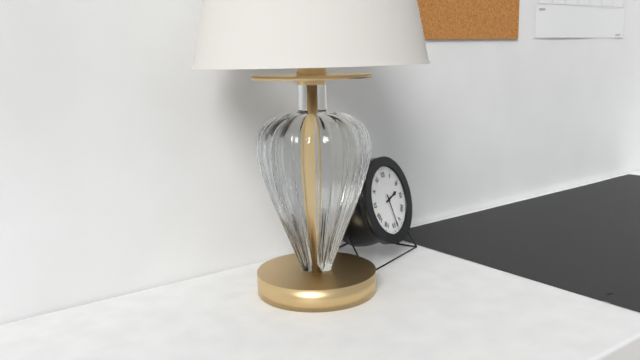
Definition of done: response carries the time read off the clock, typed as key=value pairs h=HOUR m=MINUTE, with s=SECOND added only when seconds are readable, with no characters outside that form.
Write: h=2 m=28
